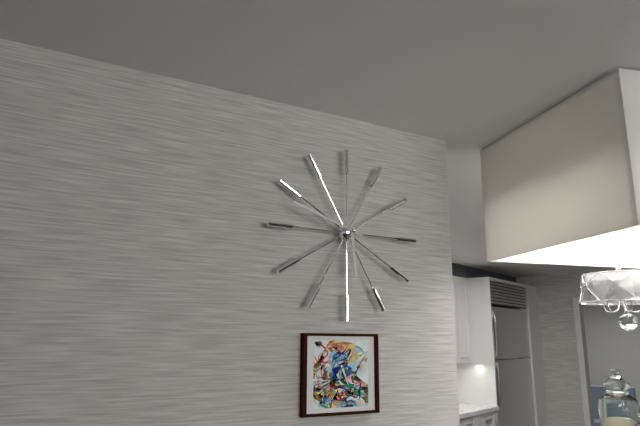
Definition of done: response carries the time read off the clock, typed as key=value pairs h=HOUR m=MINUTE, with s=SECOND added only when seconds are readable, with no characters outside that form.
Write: h=5 m=48
